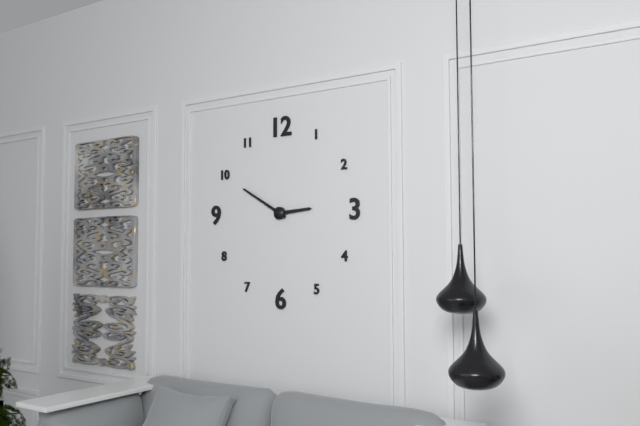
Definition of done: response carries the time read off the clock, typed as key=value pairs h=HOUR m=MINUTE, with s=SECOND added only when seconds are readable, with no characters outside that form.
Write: h=2 m=50
